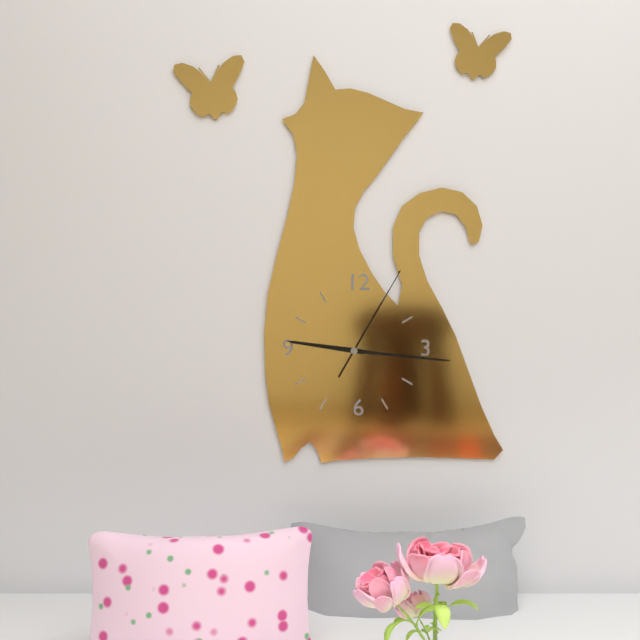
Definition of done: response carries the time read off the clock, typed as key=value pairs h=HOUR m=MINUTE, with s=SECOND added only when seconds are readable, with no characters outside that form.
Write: h=9 m=16 s=5
